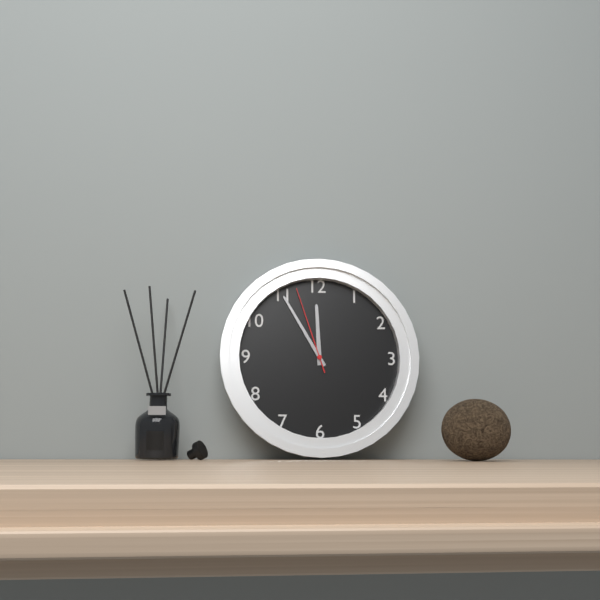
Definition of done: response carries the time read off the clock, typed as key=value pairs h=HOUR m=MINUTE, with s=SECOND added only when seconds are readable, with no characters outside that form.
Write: h=11 m=55 s=57
